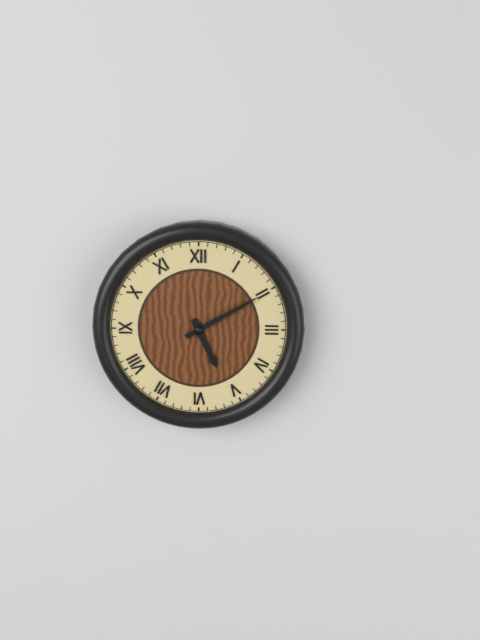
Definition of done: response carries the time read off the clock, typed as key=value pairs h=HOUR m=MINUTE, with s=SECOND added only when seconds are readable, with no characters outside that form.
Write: h=5 m=10
